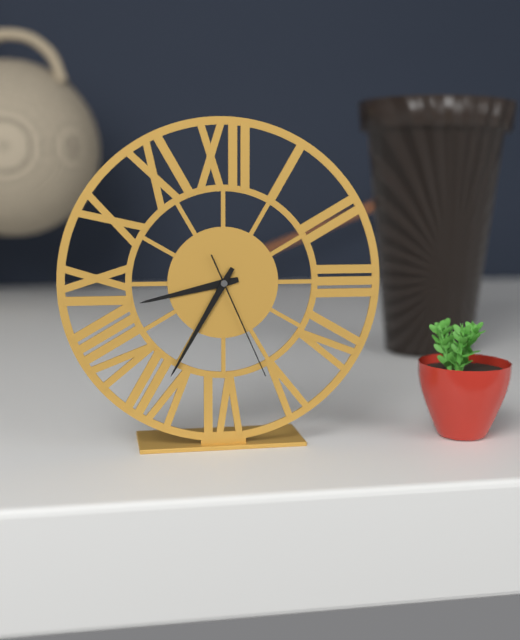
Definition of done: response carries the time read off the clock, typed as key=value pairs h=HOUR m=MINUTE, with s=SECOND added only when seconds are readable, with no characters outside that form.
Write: h=8 m=35 s=26
